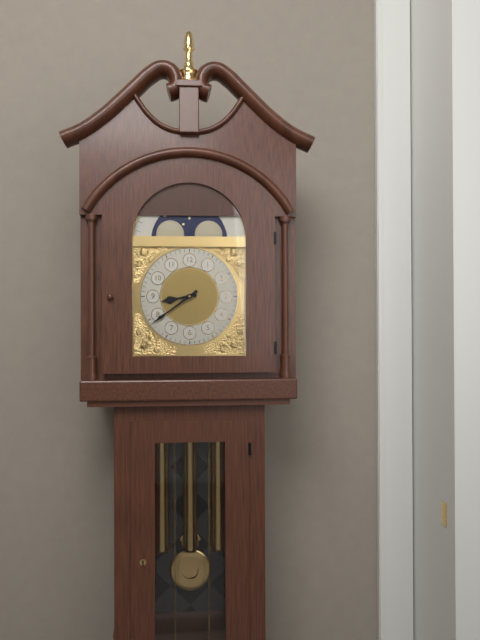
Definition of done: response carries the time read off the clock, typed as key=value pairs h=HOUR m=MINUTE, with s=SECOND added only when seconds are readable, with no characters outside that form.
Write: h=8 m=39
